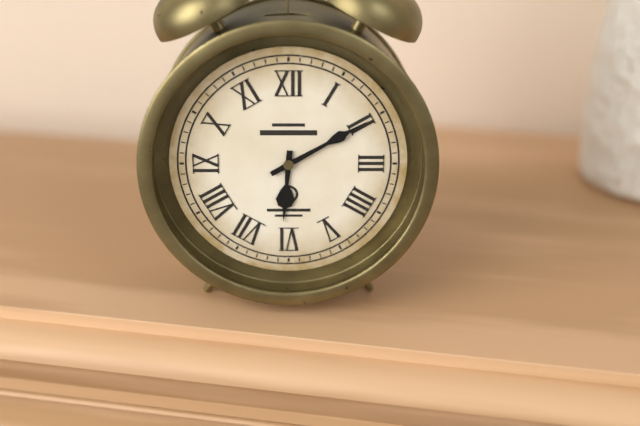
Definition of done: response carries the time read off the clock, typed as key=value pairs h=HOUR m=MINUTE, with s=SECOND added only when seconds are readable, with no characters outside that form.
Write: h=6 m=10
